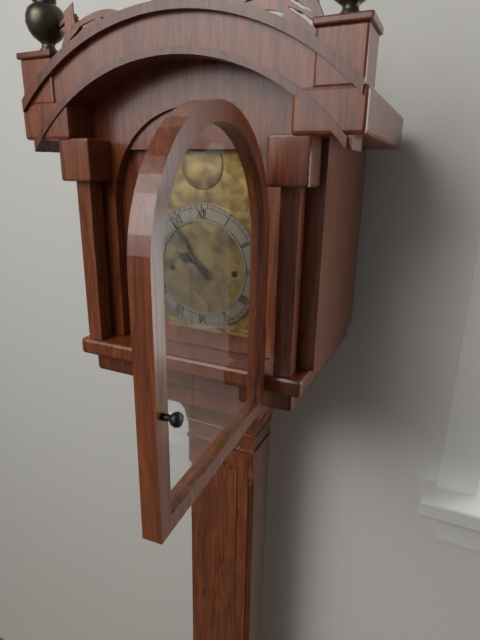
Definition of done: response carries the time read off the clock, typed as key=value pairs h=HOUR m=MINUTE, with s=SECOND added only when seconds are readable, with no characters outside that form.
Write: h=9 m=54
